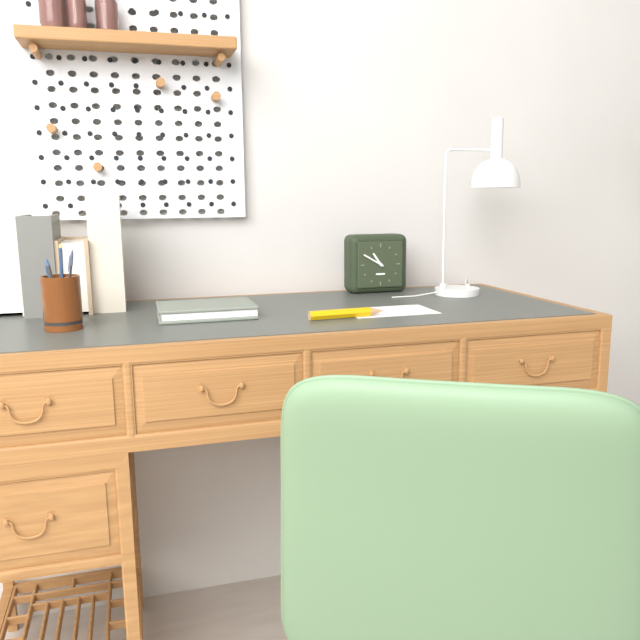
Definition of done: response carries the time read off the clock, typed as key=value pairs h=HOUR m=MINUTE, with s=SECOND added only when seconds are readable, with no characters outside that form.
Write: h=10 m=50
